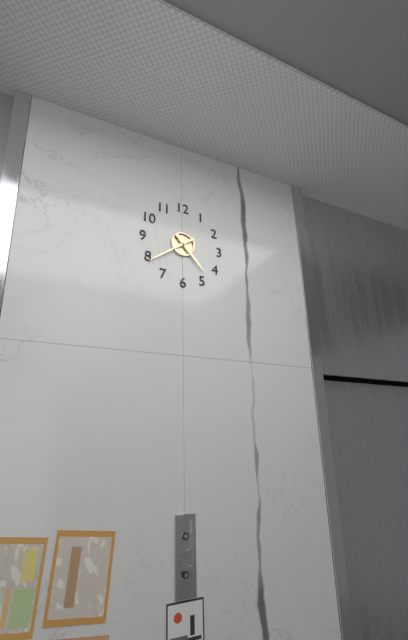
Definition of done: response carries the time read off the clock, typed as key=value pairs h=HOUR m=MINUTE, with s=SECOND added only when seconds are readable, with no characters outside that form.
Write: h=4 m=39
